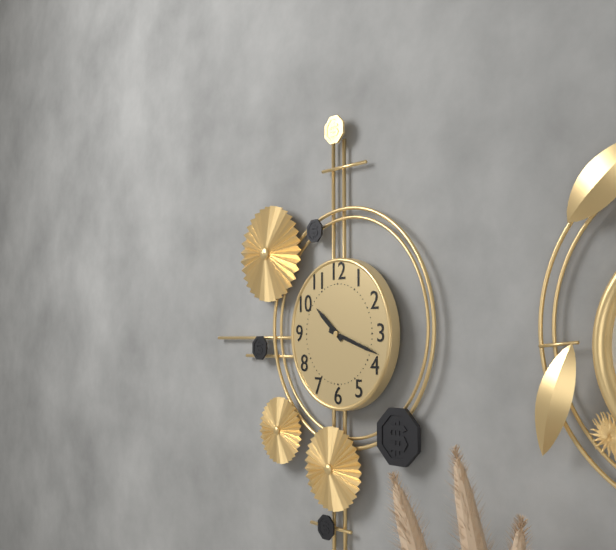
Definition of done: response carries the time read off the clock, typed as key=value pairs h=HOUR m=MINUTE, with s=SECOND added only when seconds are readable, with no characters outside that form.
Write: h=10 m=18
